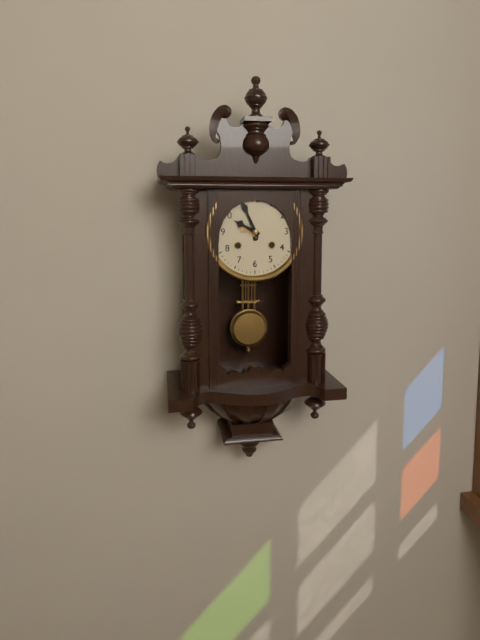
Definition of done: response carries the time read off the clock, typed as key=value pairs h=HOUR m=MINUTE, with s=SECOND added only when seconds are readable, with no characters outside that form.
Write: h=9 m=56
